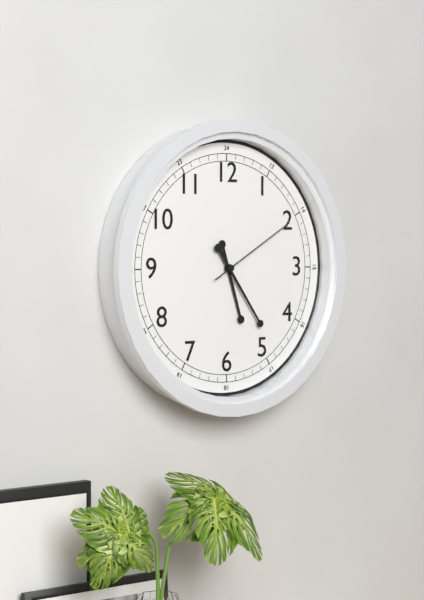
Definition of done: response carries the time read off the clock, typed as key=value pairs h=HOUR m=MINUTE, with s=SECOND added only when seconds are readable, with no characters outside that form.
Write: h=5 m=24 s=10
